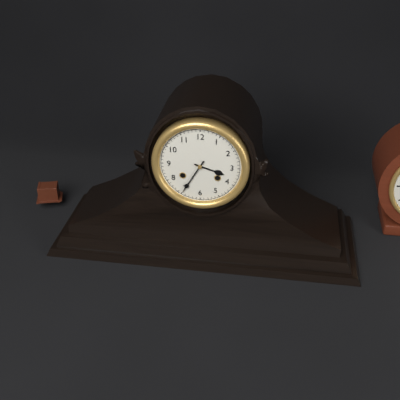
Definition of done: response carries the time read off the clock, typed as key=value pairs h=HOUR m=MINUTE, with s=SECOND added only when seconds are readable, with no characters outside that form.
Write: h=3 m=35
